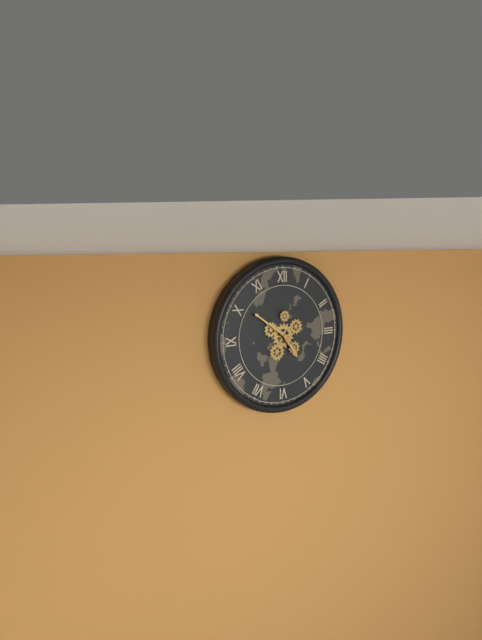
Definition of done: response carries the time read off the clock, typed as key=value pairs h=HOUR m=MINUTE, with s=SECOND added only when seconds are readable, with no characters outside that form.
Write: h=4 m=51
